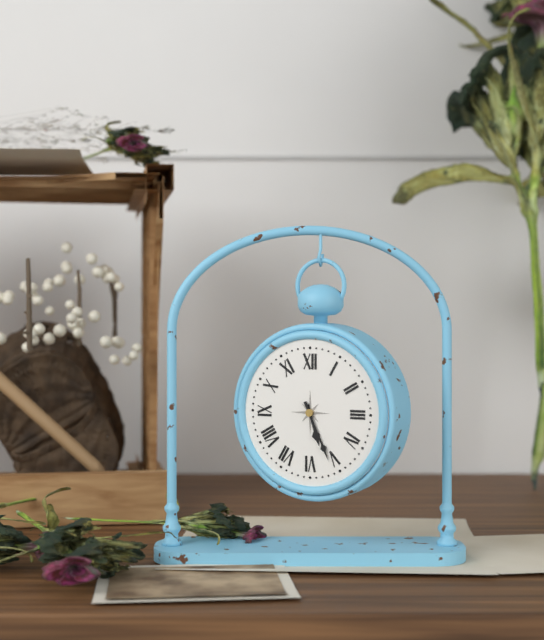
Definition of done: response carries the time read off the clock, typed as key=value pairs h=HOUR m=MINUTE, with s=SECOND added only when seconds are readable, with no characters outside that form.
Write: h=5 m=26
